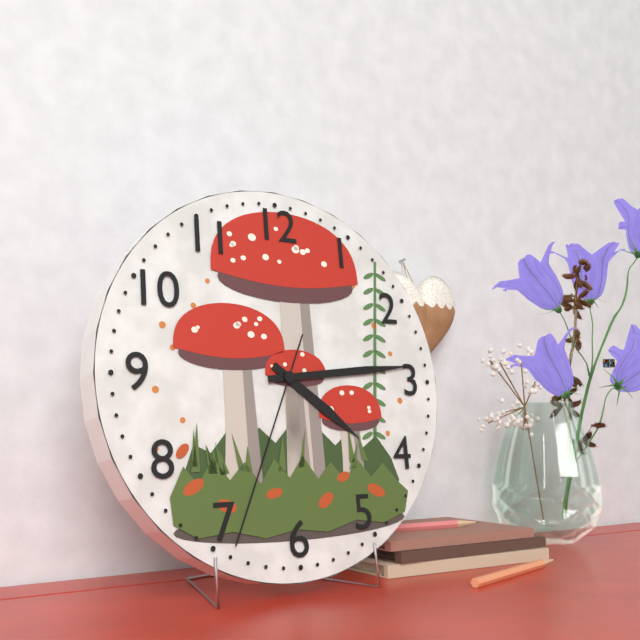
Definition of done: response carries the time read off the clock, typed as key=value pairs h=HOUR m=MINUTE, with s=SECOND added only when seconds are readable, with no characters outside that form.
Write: h=4 m=14 s=34
